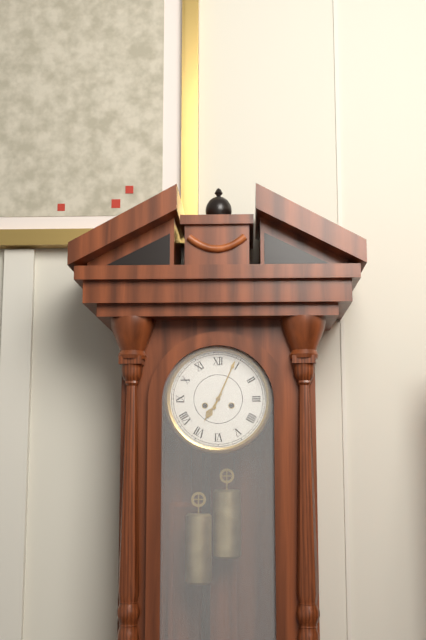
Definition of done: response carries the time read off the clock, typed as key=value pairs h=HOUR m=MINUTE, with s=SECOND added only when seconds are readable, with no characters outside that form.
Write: h=7 m=4
